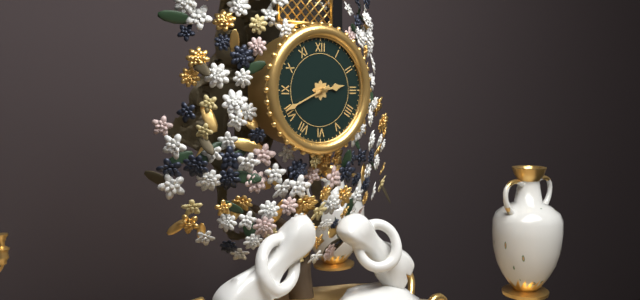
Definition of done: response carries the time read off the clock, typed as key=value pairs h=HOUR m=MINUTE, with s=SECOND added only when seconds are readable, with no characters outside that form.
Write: h=2 m=41
